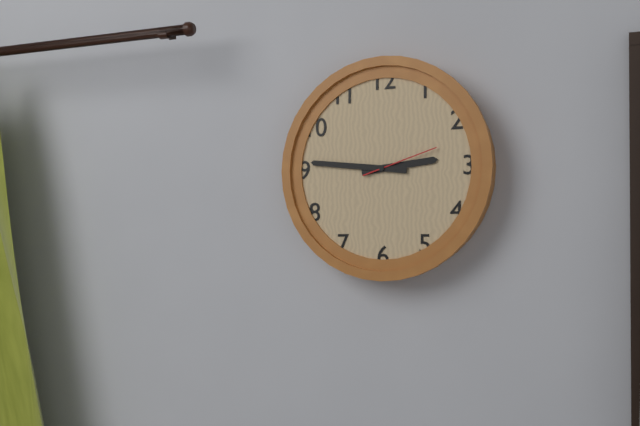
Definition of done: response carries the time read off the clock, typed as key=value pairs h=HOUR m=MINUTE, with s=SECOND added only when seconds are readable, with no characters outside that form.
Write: h=2 m=46 s=12
